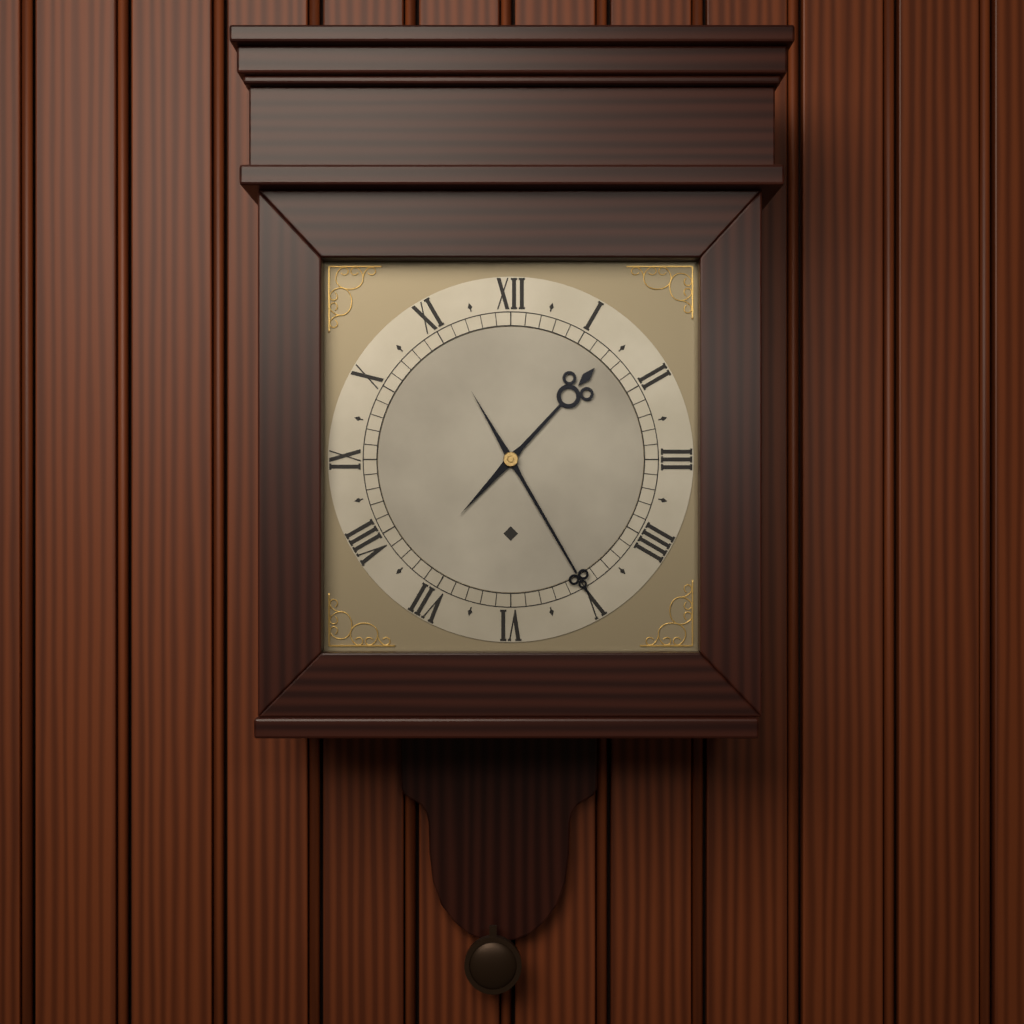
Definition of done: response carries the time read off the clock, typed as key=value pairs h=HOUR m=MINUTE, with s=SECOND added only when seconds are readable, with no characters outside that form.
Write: h=1 m=25
